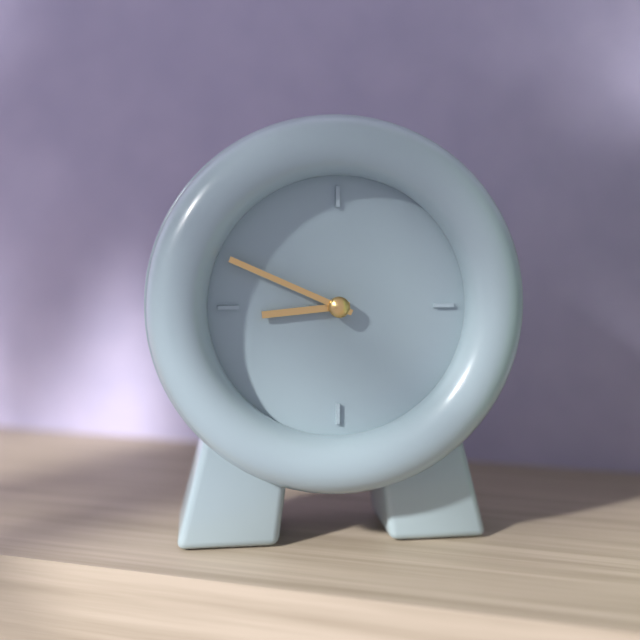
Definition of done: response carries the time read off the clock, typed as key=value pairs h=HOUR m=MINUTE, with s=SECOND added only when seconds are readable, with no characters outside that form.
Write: h=8 m=49
